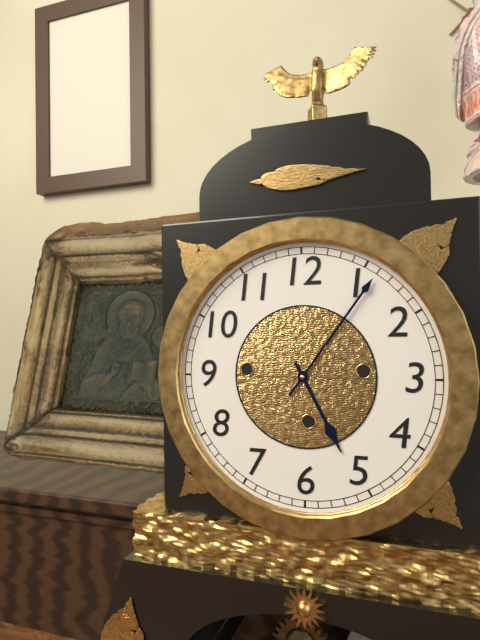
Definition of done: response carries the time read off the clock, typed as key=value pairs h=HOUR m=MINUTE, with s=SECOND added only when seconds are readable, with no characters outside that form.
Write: h=5 m=6
